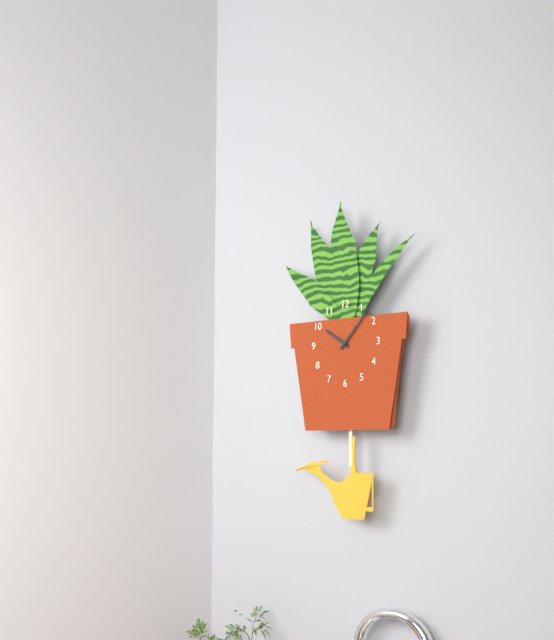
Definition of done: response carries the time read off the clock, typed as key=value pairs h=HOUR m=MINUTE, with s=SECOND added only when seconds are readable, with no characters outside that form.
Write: h=10 m=7
